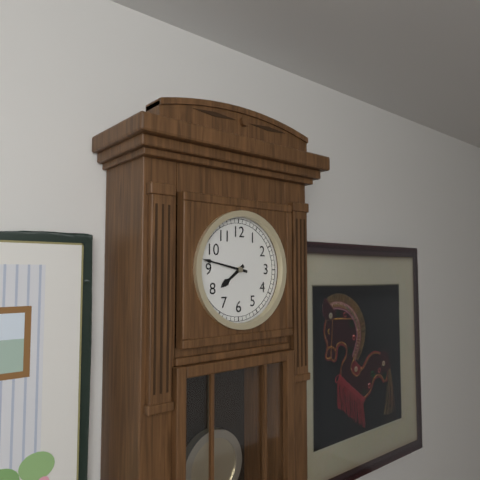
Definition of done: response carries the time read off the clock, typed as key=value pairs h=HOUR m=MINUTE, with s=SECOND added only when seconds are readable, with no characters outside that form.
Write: h=7 m=47
